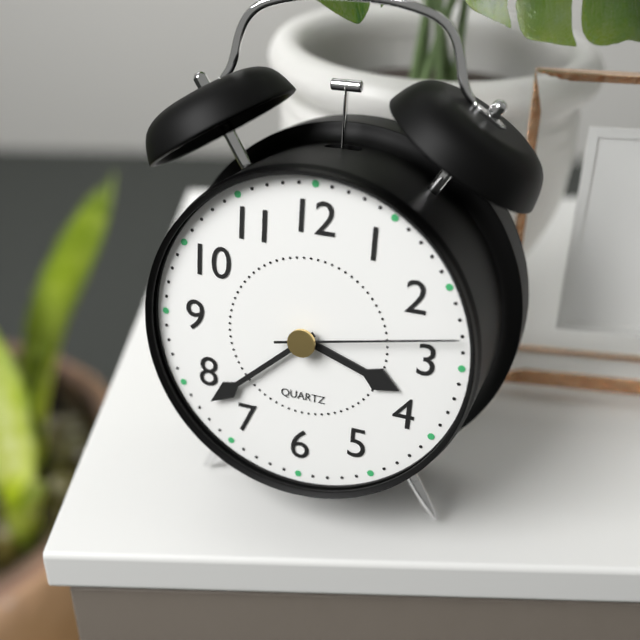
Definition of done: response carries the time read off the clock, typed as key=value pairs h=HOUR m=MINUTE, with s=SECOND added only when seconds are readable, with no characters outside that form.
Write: h=3 m=38 s=13
